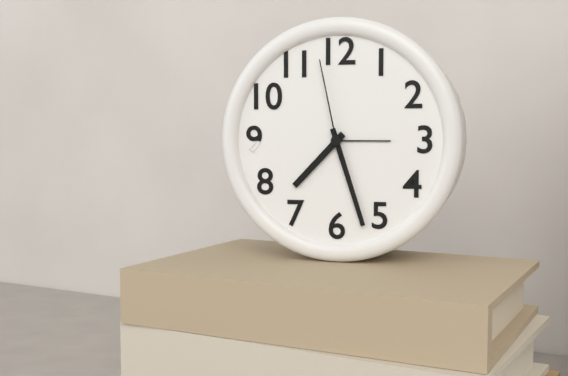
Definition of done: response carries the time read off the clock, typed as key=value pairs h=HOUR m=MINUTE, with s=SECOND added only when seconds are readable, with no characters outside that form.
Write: h=7 m=27 s=58
